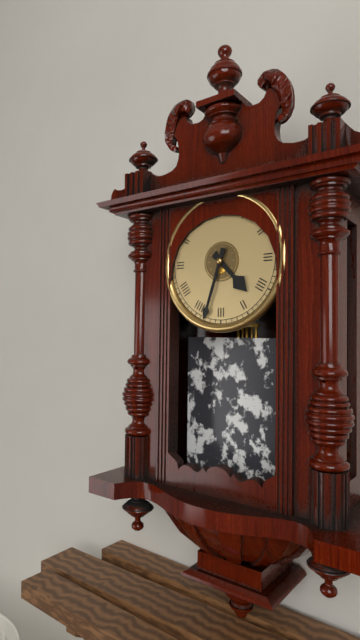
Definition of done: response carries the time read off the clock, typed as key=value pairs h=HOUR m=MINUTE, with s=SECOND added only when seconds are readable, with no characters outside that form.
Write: h=4 m=33
